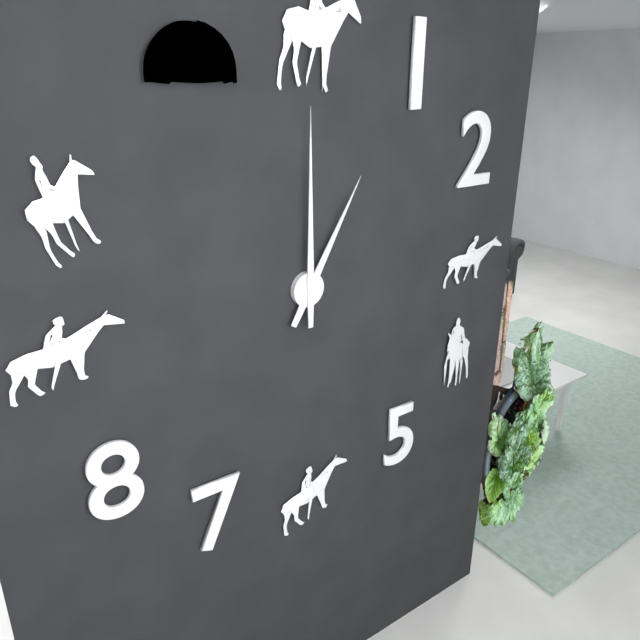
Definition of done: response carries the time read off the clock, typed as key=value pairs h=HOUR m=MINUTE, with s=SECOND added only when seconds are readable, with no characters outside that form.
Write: h=1 m=0
